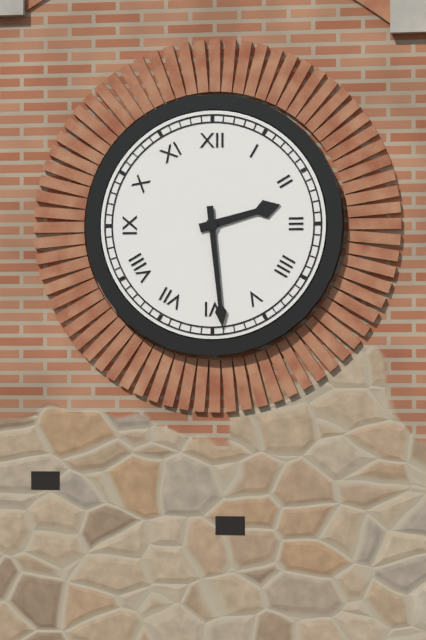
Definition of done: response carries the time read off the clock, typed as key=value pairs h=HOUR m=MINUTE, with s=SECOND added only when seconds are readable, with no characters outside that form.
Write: h=2 m=29
